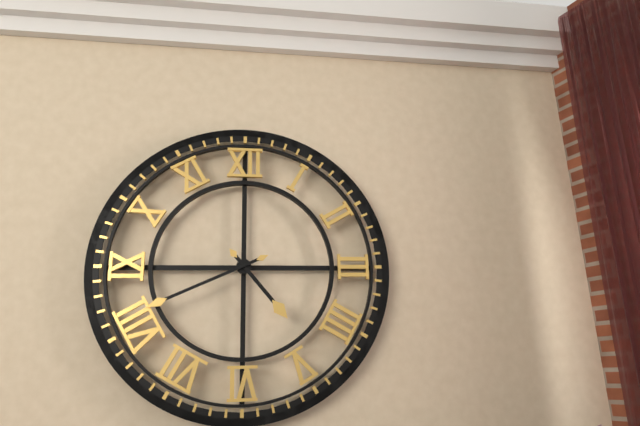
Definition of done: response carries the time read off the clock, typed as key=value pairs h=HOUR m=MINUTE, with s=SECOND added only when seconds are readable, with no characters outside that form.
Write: h=4 m=41
